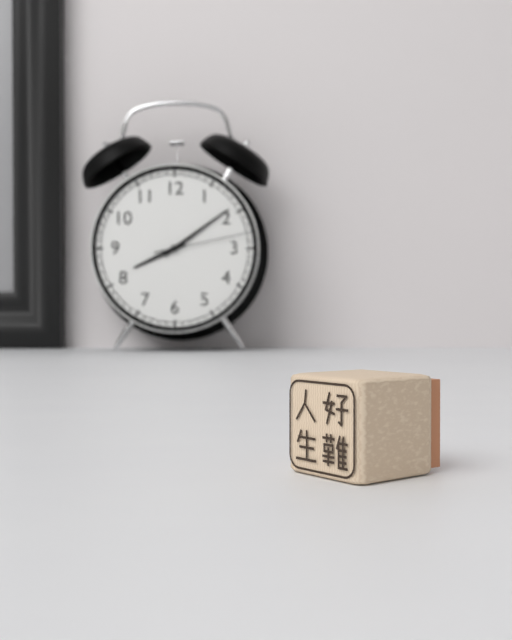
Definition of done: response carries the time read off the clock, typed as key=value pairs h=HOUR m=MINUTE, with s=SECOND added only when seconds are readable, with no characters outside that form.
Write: h=8 m=9 s=13
